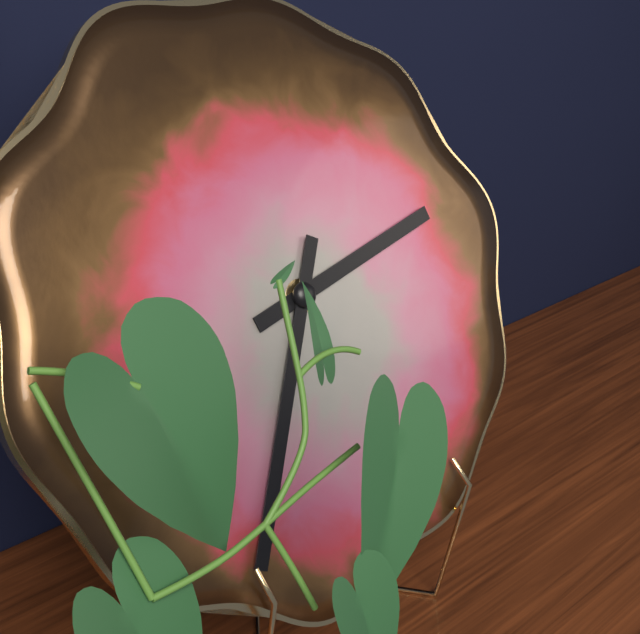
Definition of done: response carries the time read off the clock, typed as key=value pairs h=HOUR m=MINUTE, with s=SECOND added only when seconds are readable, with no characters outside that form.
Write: h=2 m=35
